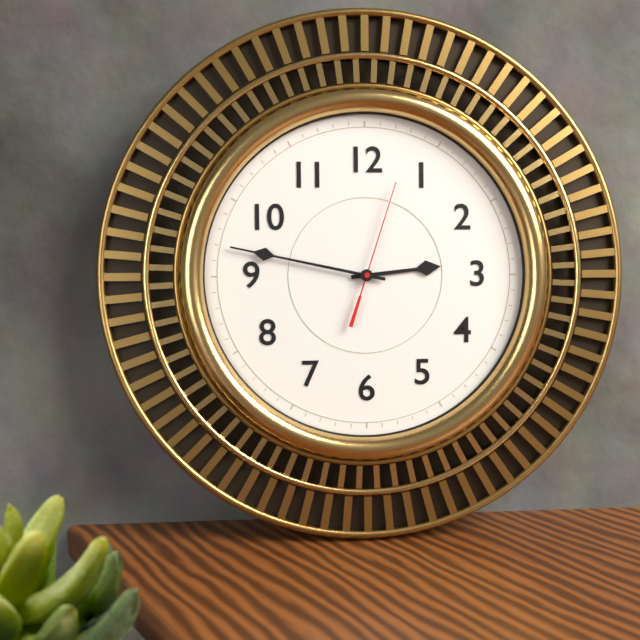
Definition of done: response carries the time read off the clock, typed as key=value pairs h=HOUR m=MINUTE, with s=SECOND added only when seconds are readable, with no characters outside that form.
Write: h=2 m=47 s=3
